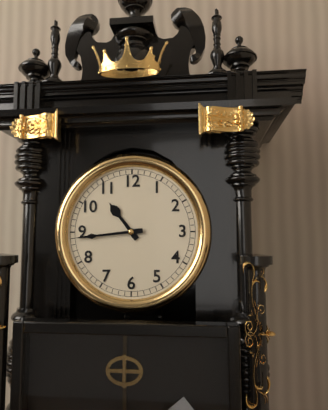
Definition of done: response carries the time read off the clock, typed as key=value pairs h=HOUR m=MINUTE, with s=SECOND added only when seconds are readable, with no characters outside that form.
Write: h=10 m=44
